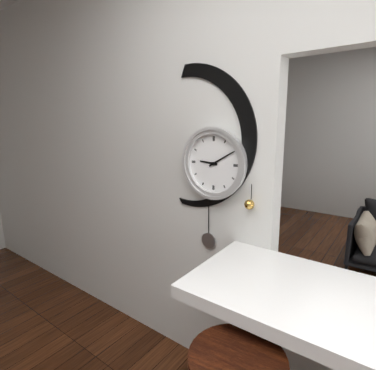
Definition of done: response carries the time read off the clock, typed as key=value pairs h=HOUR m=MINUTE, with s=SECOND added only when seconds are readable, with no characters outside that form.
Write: h=9 m=10
